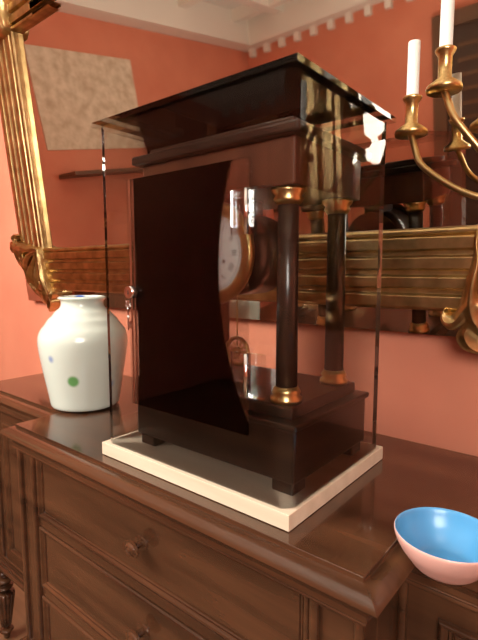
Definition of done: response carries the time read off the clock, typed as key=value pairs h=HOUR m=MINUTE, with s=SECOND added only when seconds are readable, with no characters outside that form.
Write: h=7 m=46
